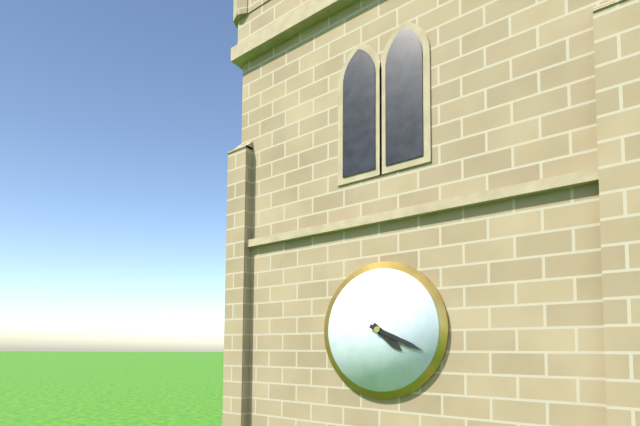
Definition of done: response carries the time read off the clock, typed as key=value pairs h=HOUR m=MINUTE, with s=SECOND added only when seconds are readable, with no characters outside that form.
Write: h=4 m=19
